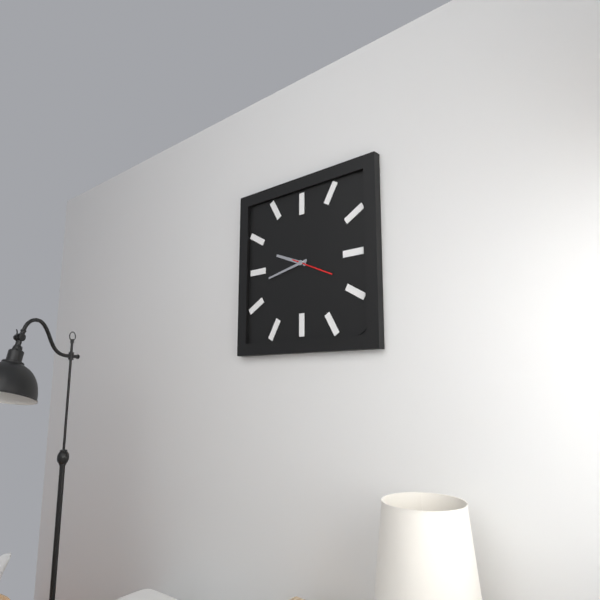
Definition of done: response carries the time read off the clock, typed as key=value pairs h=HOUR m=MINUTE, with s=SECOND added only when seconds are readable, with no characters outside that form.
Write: h=9 m=43
